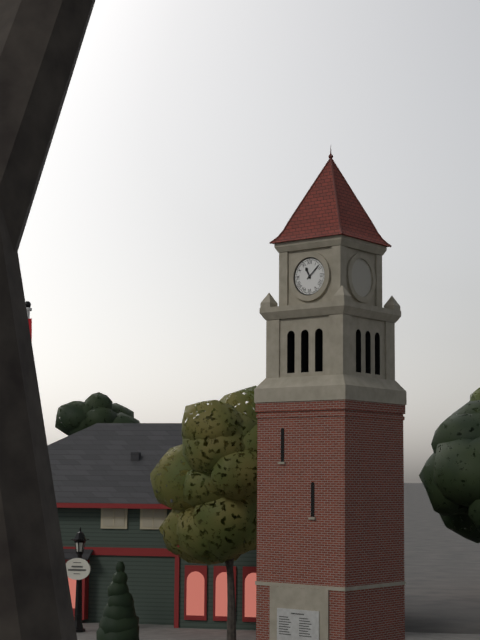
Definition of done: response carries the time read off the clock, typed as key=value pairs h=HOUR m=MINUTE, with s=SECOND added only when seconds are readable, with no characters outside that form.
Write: h=11 m=8
